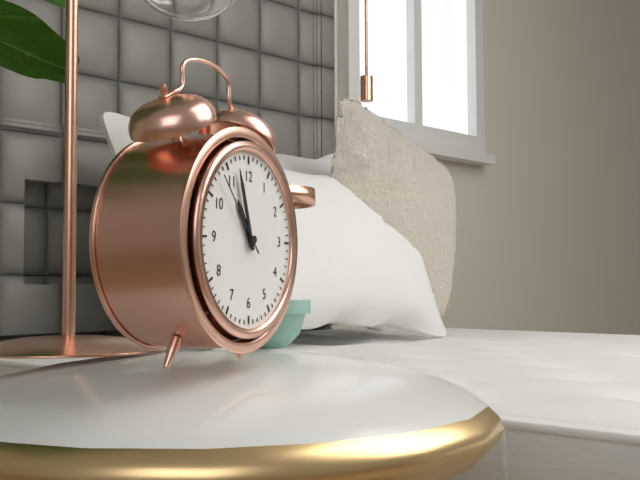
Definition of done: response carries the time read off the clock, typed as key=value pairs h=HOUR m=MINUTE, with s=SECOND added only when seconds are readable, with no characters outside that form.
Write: h=10 m=57 s=53
